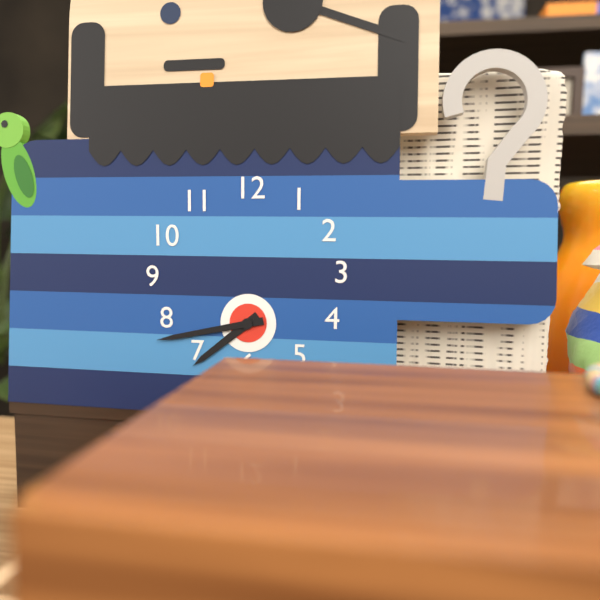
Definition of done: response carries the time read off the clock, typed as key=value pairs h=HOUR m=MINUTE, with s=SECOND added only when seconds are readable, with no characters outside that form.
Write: h=7 m=43
